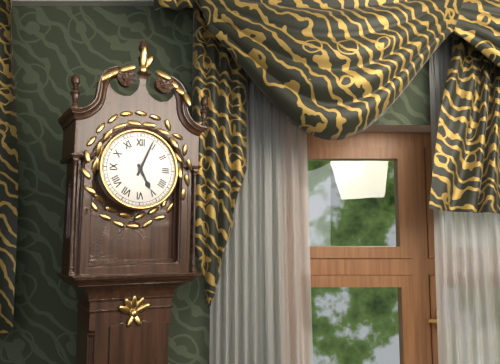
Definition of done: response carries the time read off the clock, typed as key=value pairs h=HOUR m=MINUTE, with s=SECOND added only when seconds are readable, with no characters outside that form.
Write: h=5 m=4
